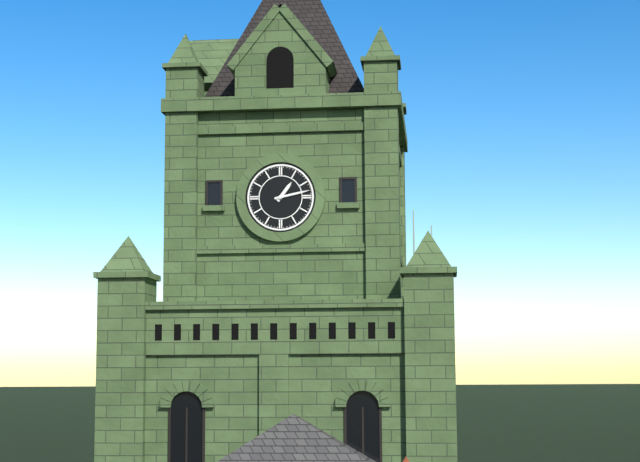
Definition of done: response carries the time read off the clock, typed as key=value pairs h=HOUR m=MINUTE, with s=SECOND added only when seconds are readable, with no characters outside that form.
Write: h=1 m=13
